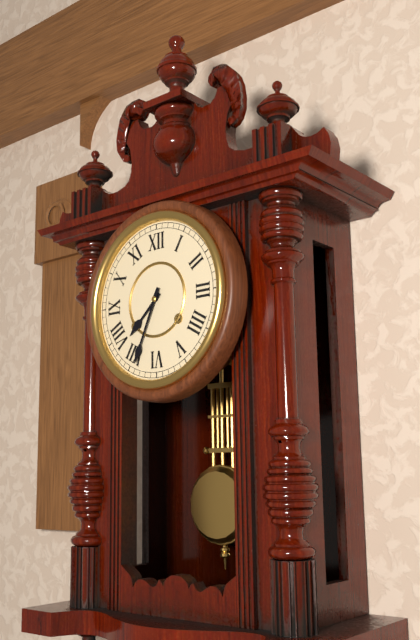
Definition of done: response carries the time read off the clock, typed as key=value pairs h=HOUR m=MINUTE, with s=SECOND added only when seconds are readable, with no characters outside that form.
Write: h=7 m=34
